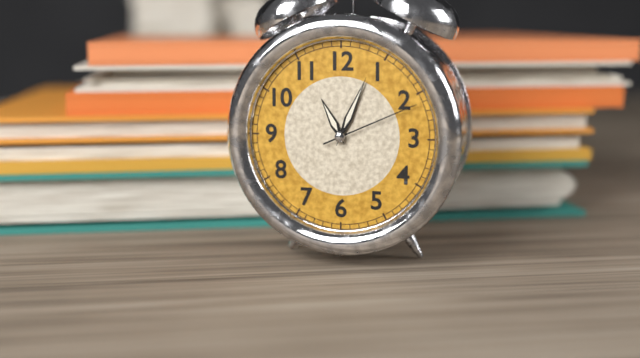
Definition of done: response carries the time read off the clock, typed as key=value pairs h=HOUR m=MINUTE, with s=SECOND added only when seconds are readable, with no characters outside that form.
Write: h=11 m=4 s=11
